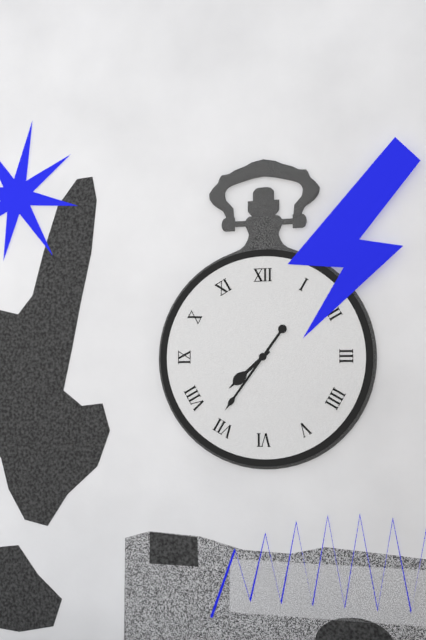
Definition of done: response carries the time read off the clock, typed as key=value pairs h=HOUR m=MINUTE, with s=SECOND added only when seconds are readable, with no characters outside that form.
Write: h=7 m=36
